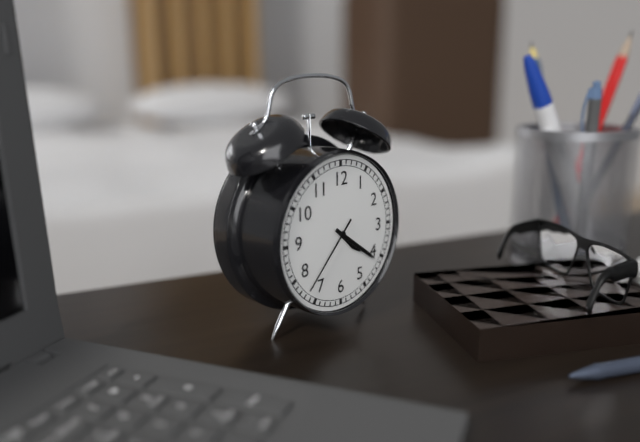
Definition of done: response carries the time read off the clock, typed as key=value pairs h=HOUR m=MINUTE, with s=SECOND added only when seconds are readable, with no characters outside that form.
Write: h=4 m=21 s=37
